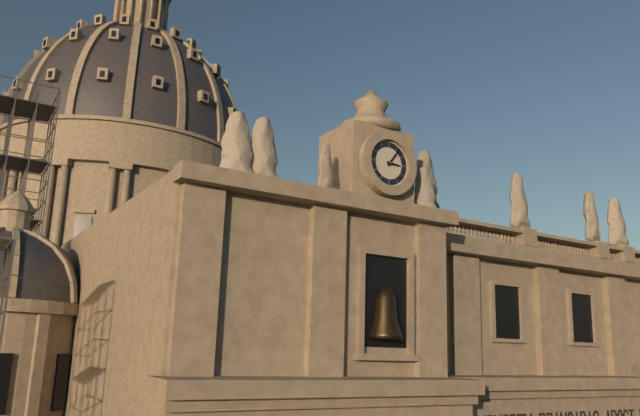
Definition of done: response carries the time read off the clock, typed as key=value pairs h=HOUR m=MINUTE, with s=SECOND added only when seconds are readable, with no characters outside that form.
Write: h=3 m=6
